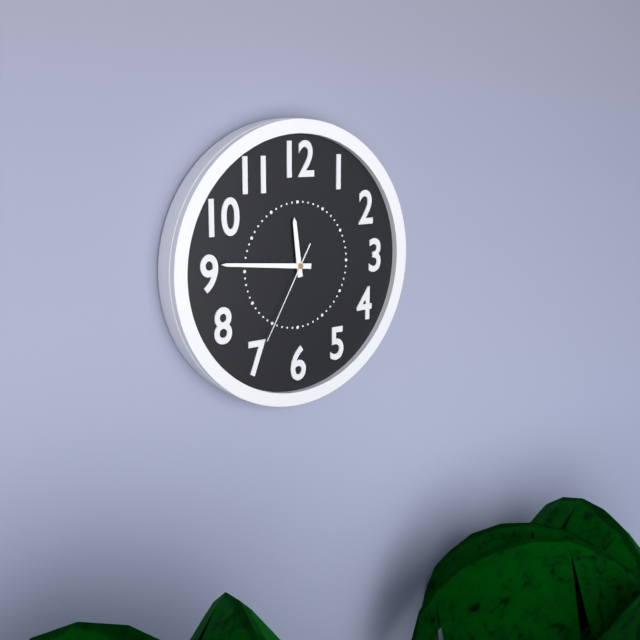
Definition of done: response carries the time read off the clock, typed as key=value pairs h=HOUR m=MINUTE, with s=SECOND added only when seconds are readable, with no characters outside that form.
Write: h=11 m=46 s=35
